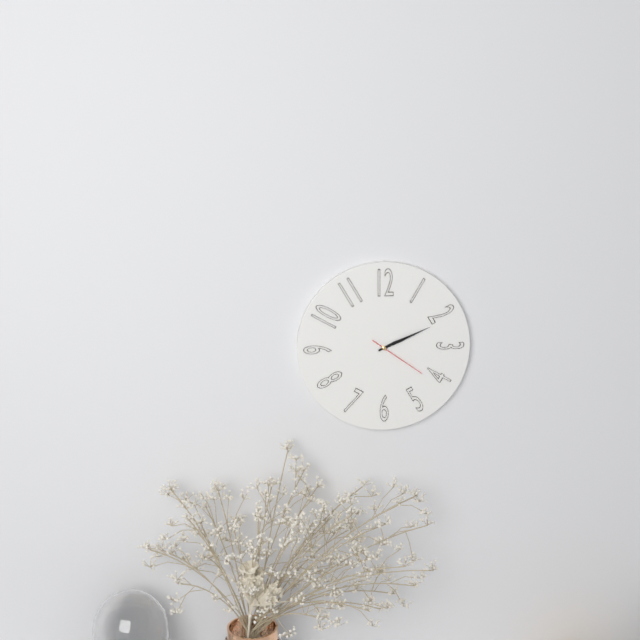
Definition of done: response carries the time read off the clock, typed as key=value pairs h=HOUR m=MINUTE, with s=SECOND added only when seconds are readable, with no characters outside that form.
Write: h=2 m=11 s=21
